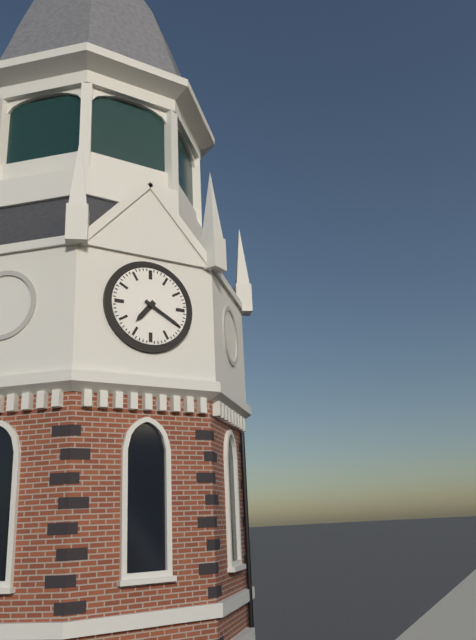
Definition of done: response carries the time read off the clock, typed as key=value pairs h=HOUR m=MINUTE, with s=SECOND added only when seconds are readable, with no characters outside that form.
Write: h=7 m=20
